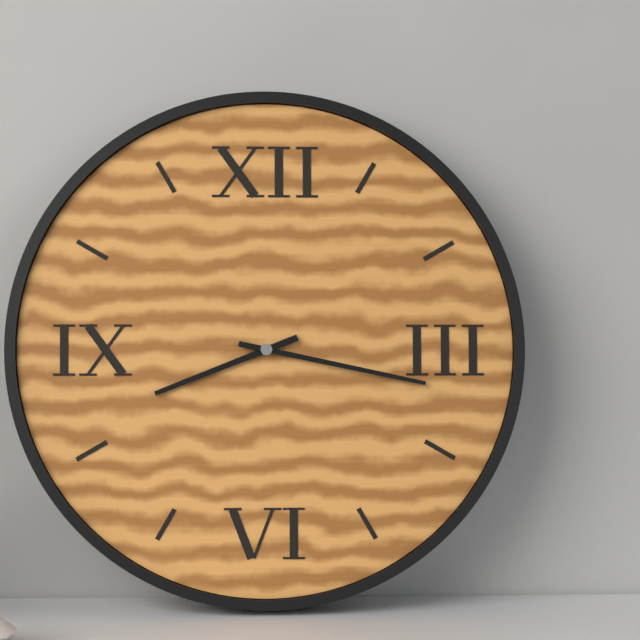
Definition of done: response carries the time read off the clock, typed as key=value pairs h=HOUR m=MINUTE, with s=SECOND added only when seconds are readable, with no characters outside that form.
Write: h=8 m=17
